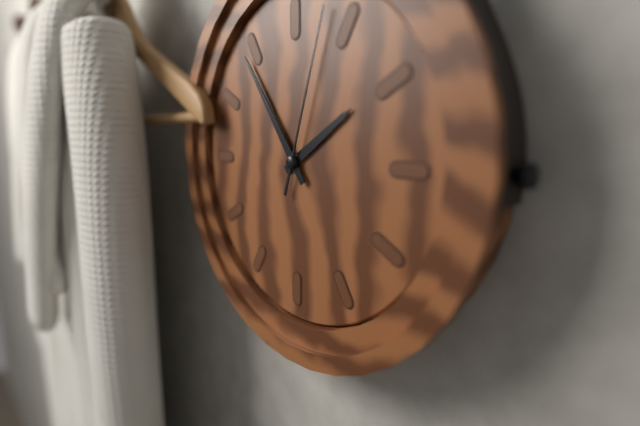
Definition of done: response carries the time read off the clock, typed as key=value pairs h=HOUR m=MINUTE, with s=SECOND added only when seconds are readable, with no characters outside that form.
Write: h=1 m=54 s=3
